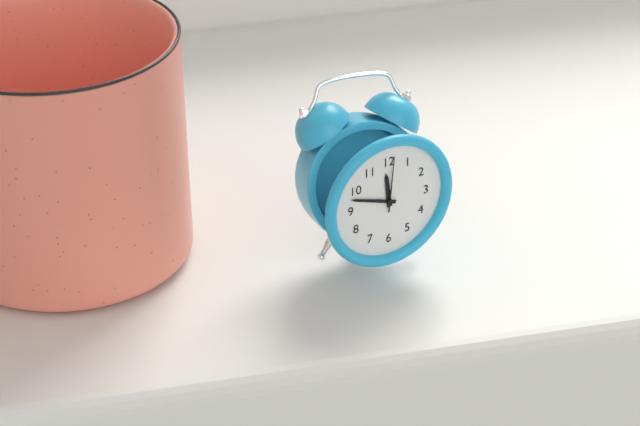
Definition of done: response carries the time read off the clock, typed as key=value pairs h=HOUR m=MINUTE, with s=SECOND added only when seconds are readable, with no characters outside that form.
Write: h=11 m=48 s=1
